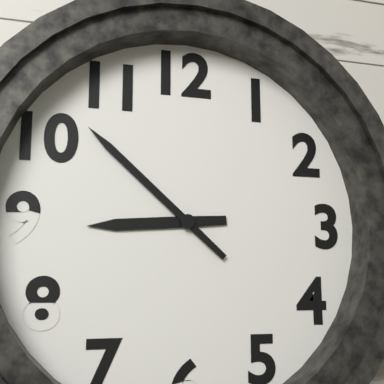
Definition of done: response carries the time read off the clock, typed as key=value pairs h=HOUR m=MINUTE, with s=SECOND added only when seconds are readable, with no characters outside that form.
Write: h=8 m=52
